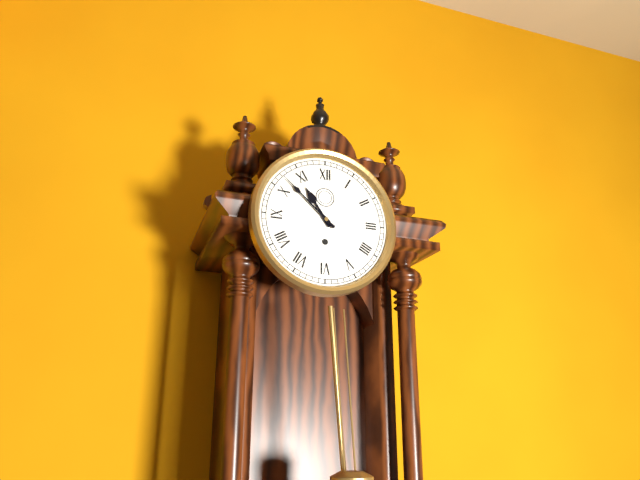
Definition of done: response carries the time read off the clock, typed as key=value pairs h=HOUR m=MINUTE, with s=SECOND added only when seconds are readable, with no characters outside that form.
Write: h=10 m=52
